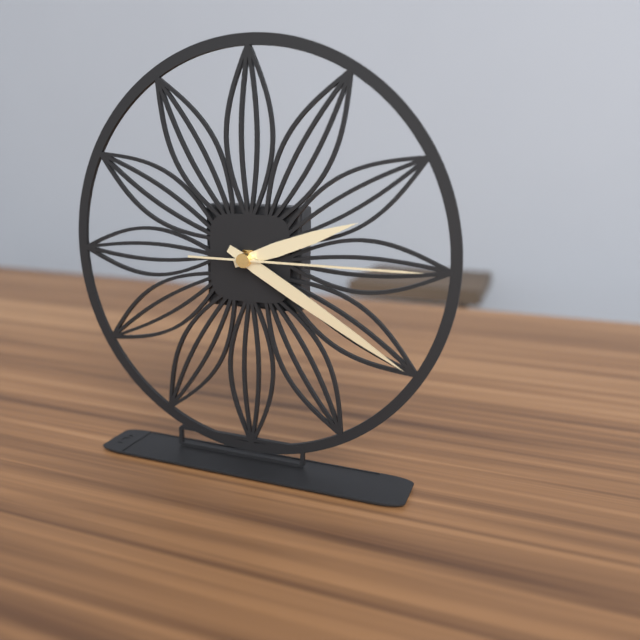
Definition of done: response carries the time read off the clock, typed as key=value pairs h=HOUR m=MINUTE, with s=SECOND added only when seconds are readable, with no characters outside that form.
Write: h=2 m=20 s=15
